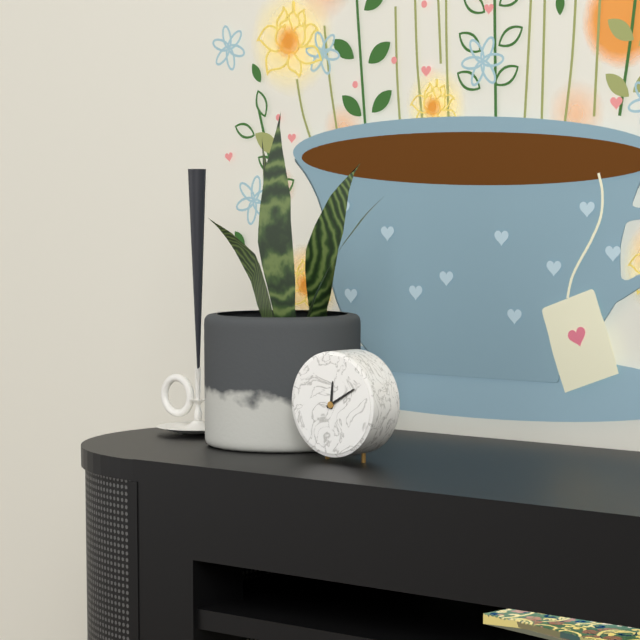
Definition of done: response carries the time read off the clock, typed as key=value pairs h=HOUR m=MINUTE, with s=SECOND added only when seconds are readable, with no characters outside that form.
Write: h=12 m=10
